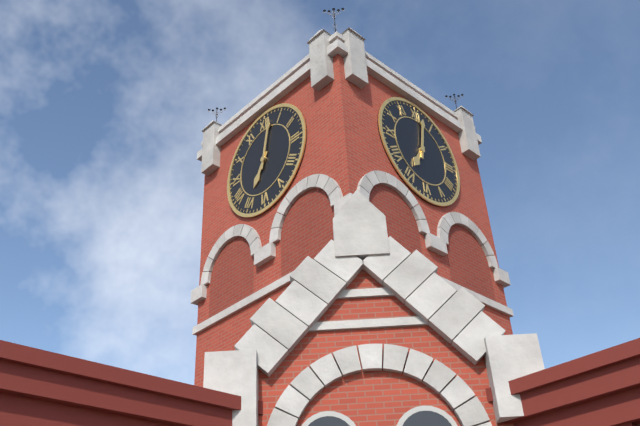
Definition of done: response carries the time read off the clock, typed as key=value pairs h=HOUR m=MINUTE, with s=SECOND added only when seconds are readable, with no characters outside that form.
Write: h=7 m=2
